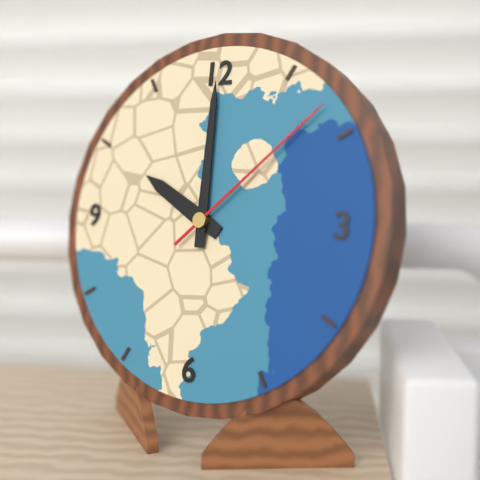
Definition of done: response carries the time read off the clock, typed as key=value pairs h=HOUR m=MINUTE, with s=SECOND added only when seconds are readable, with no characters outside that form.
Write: h=10 m=0 s=8
